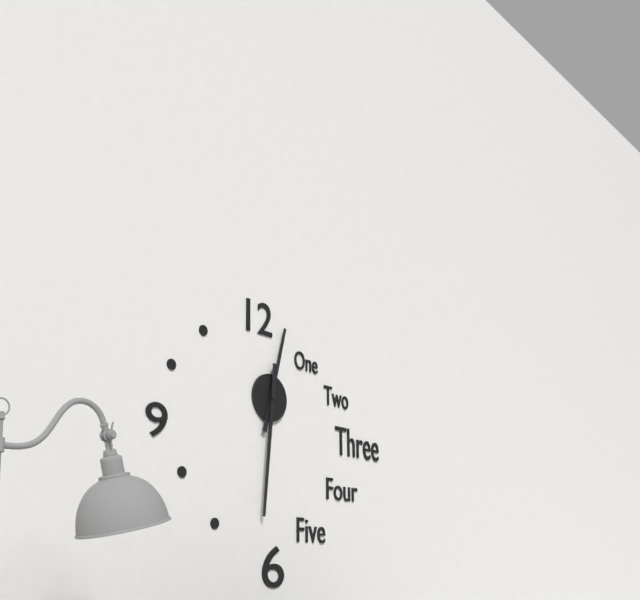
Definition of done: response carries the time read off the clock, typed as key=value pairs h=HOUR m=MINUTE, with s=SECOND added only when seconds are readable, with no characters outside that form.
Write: h=12 m=31
